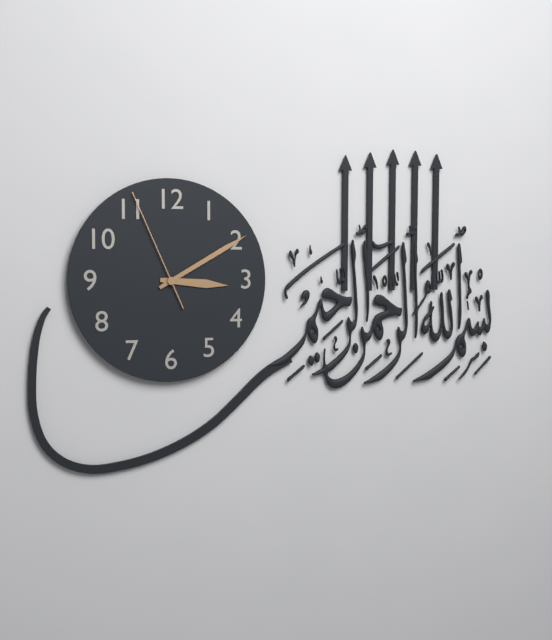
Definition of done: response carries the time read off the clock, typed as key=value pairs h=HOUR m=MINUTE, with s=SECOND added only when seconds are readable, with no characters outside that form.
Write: h=3 m=10 s=56
